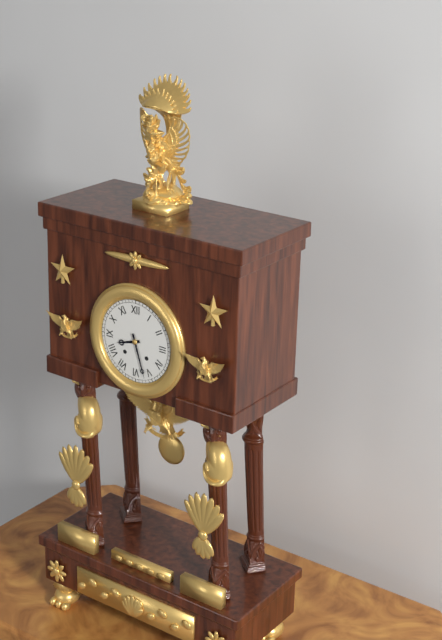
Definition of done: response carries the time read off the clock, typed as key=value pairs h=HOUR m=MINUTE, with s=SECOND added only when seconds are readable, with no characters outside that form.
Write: h=8 m=27
